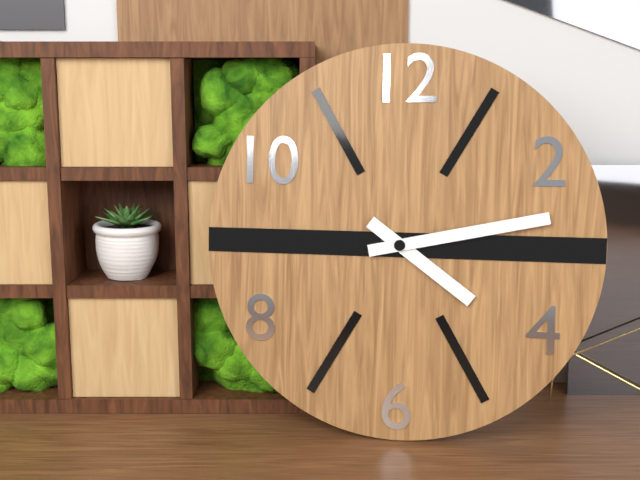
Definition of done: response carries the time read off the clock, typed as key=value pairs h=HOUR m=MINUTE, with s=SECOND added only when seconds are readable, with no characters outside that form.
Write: h=4 m=13
